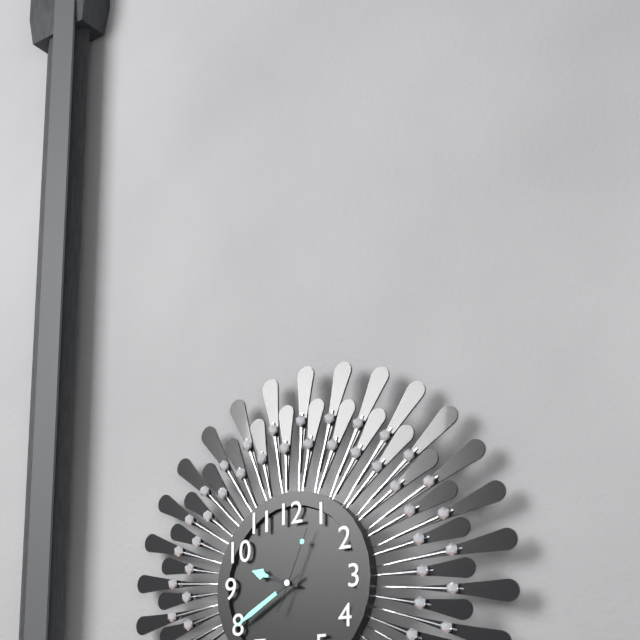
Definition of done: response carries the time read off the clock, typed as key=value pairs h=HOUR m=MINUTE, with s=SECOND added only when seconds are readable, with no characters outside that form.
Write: h=9 m=40 s=4
